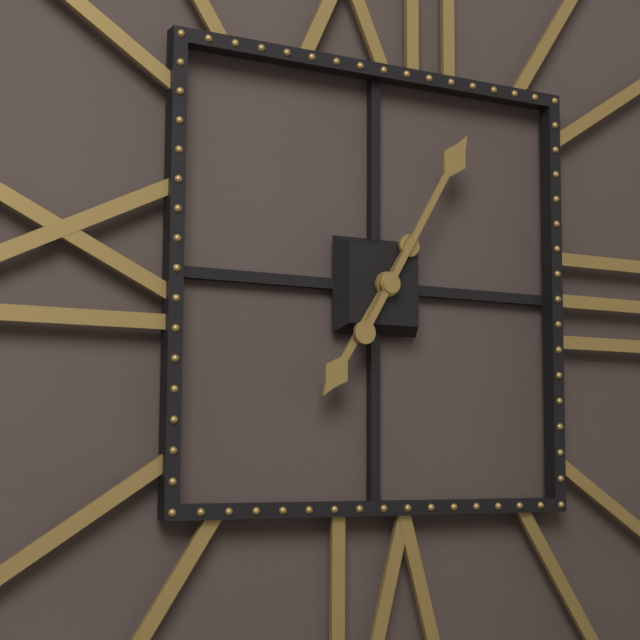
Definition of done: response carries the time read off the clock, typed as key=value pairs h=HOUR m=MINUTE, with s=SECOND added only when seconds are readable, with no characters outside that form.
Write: h=7 m=5
